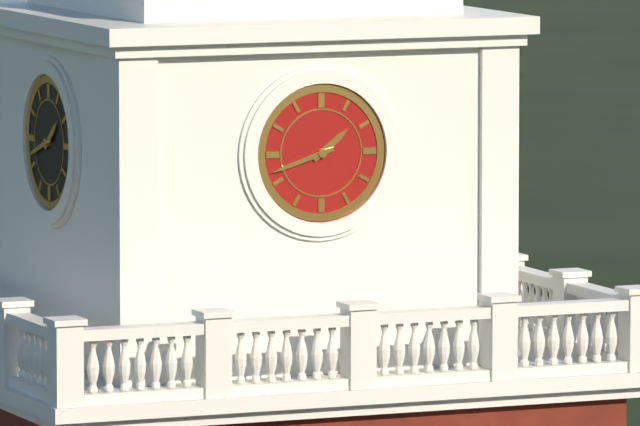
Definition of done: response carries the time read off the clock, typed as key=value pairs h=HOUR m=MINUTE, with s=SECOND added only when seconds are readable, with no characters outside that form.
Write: h=1 m=42
